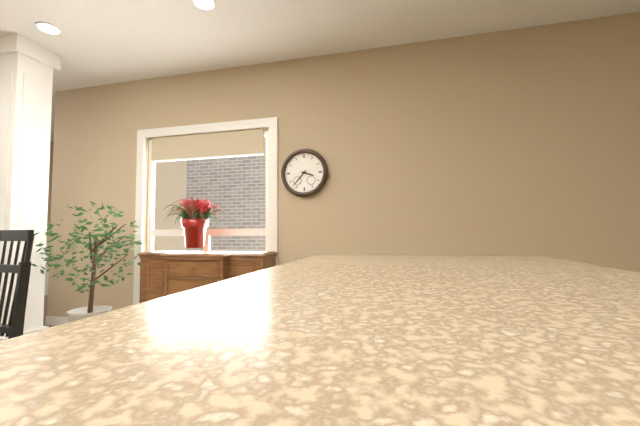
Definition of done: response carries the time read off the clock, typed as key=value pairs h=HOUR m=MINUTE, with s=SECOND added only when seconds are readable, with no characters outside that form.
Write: h=3 m=37
